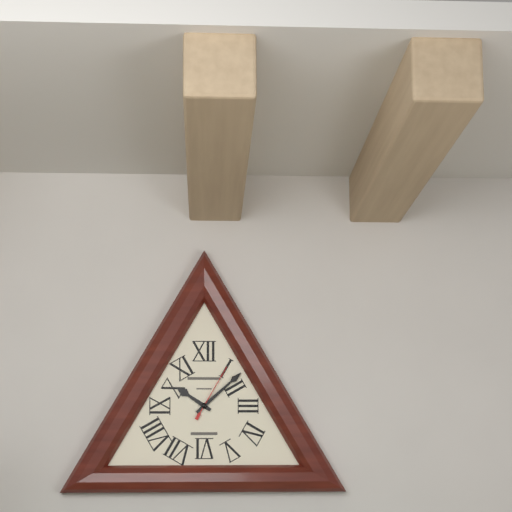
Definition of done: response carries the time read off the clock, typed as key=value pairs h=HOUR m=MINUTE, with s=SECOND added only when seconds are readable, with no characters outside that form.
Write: h=10 m=8 s=5
